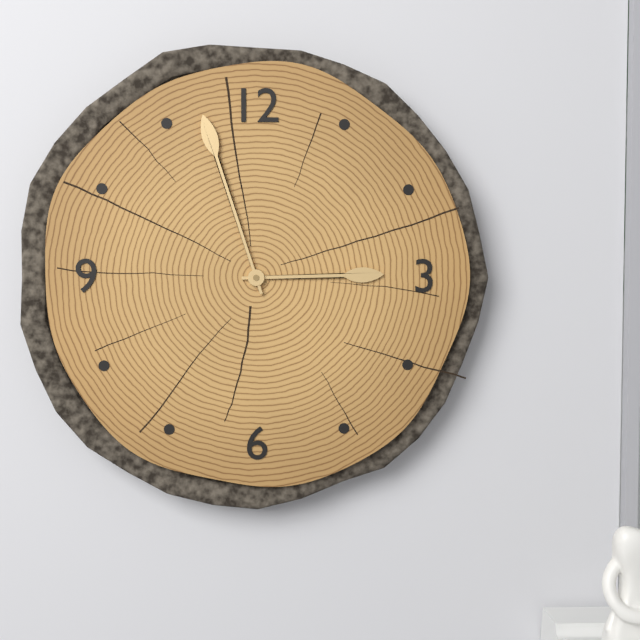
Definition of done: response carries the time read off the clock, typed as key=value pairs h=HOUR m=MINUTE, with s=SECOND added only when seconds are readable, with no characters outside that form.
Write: h=2 m=57
